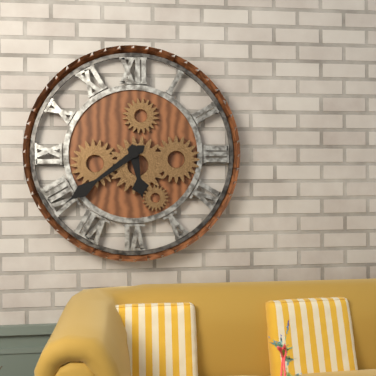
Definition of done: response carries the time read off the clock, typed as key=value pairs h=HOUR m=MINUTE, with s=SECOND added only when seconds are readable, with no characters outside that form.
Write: h=5 m=39
